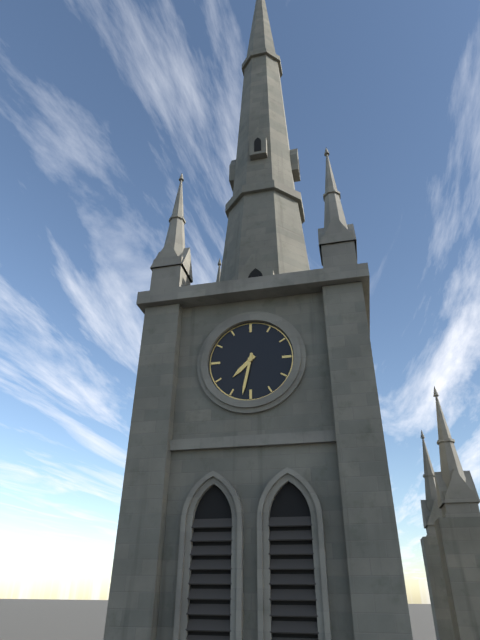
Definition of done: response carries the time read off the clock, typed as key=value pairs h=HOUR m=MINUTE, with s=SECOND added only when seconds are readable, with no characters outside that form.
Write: h=7 m=32
